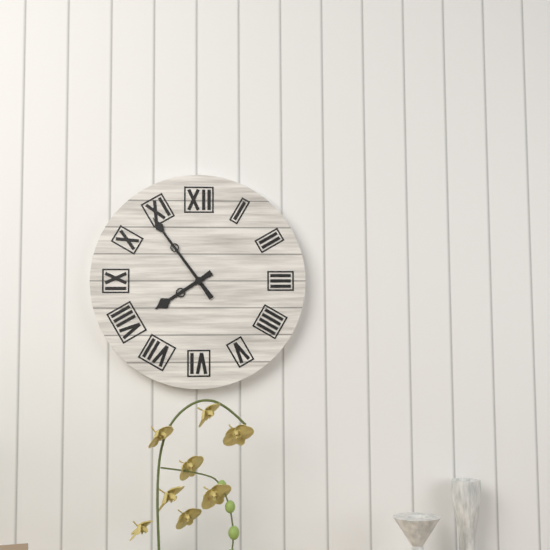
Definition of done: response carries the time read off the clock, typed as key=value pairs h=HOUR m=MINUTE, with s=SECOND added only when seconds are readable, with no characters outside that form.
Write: h=7 m=54
